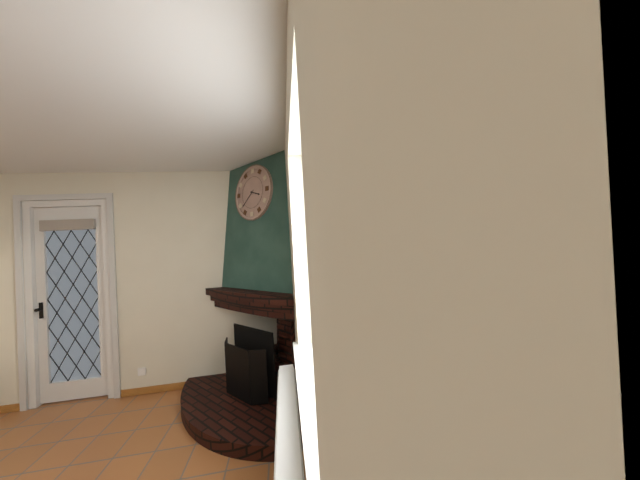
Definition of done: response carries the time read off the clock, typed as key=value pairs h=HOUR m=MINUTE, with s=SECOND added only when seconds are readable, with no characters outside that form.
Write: h=3 m=38
